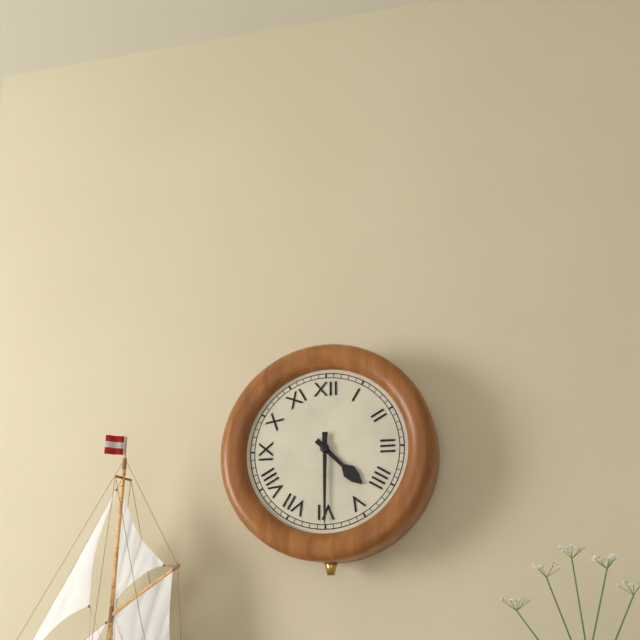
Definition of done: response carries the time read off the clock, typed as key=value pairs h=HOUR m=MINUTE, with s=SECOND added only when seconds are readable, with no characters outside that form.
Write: h=4 m=30
